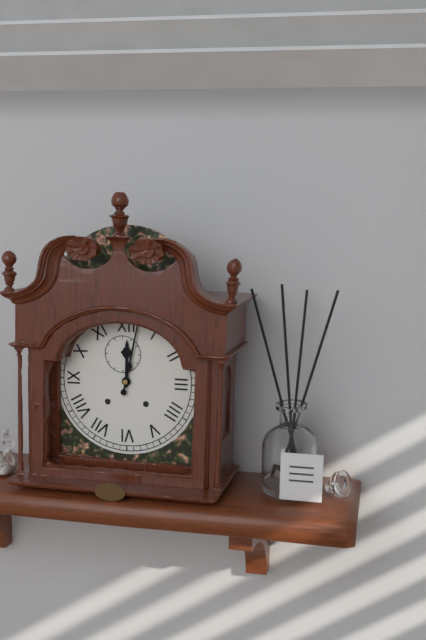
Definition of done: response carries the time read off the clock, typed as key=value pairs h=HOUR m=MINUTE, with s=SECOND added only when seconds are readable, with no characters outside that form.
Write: h=12 m=2
